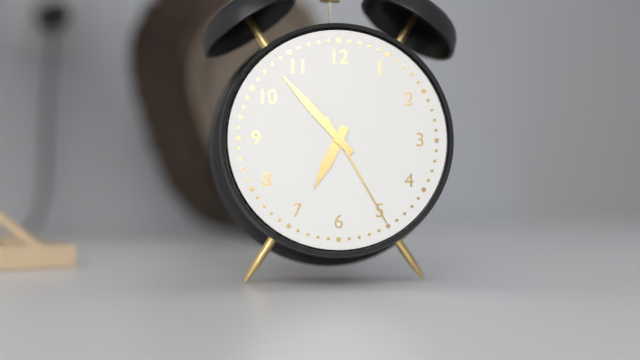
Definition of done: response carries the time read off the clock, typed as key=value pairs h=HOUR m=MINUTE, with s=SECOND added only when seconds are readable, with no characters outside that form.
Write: h=6 m=53 s=25
